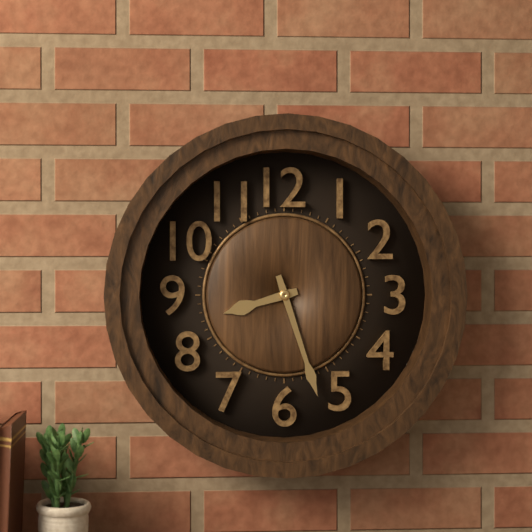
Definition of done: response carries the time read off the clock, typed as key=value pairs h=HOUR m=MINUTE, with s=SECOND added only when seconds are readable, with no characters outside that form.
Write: h=8 m=27
